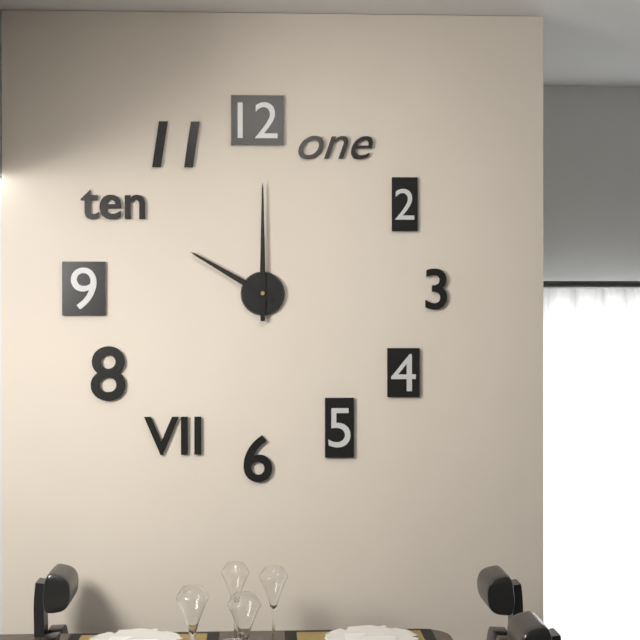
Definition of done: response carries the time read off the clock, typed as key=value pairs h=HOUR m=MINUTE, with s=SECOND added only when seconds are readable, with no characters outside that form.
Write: h=10 m=0
